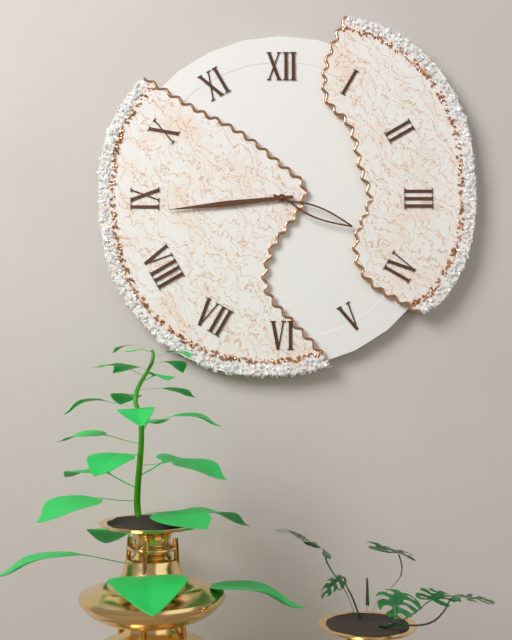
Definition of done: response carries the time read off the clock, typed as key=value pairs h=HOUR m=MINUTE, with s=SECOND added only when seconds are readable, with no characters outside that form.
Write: h=3 m=44
